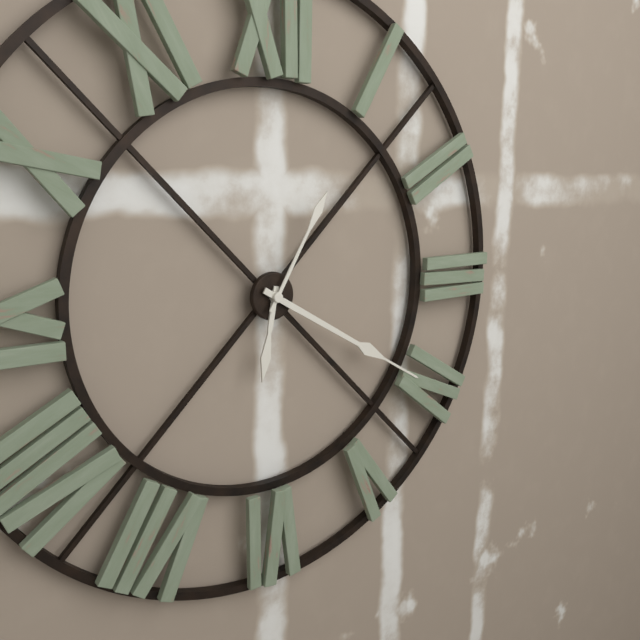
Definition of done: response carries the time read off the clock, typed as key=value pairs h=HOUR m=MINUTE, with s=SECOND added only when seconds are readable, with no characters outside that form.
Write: h=6 m=20 s=5
